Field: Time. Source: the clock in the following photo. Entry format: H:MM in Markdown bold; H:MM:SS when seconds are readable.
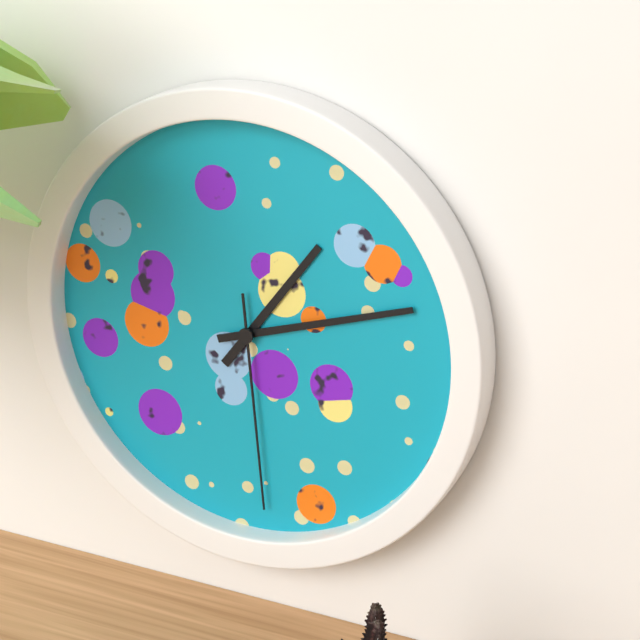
**1:12:29**
